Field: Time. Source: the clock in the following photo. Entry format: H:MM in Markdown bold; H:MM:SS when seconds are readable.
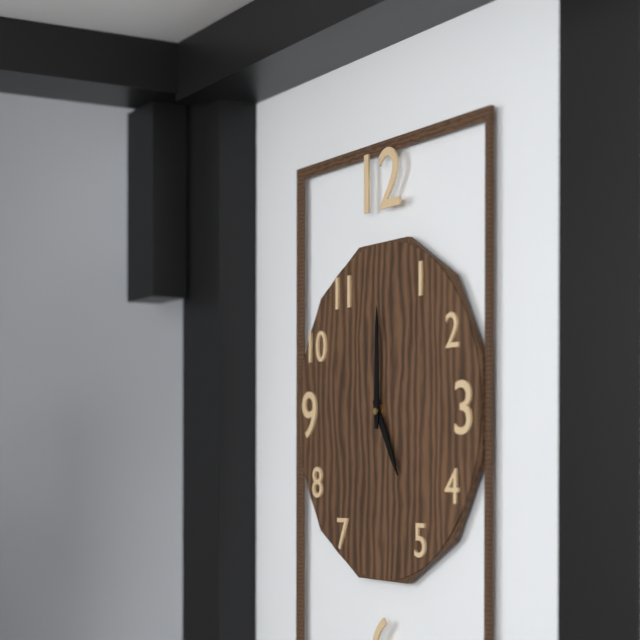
**5:00**
